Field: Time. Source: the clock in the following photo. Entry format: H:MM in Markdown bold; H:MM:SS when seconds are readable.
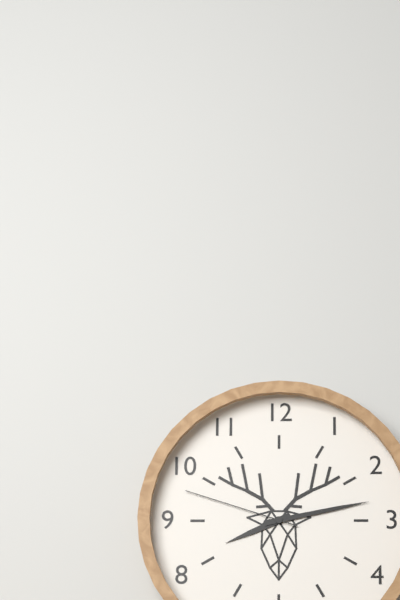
**8:13:48**
